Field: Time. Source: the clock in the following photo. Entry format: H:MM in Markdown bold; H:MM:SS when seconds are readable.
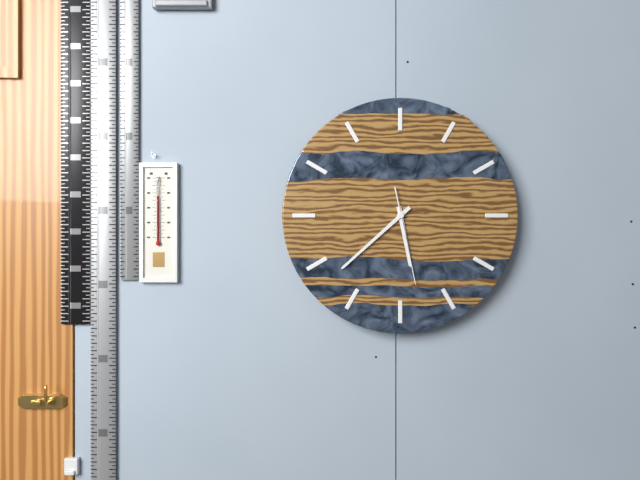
**5:38:28**
